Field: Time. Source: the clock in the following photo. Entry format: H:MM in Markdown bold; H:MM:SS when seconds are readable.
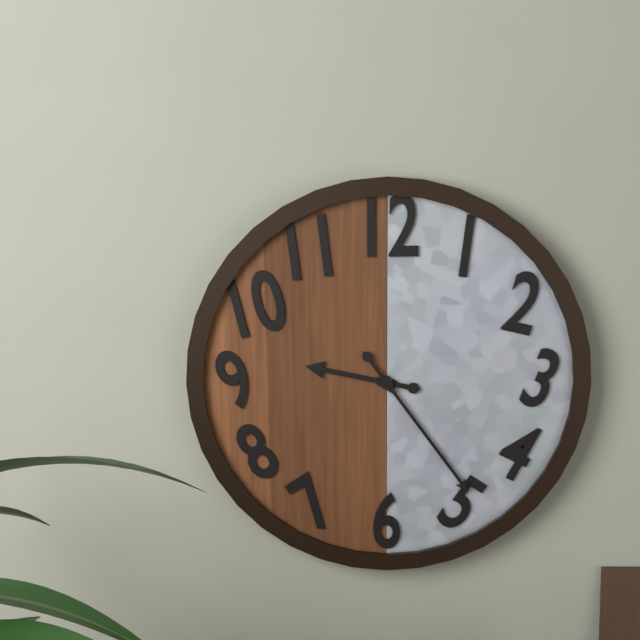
**9:24**
